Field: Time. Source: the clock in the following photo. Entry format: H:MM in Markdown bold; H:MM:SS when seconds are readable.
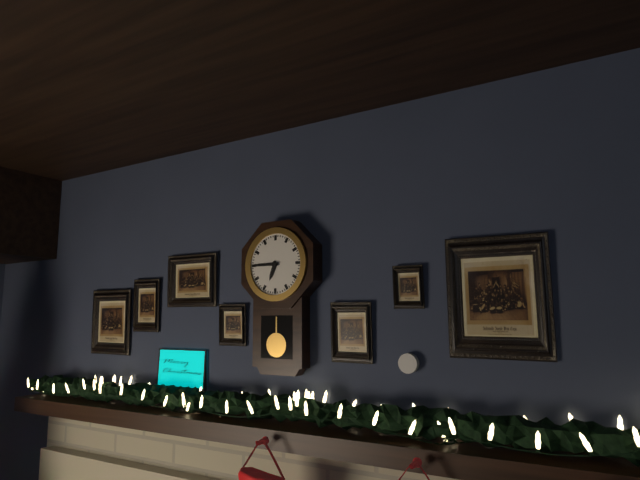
**6:45**
